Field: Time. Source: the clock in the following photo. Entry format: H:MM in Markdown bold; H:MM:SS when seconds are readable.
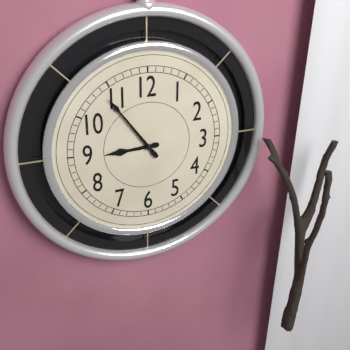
**8:54**
